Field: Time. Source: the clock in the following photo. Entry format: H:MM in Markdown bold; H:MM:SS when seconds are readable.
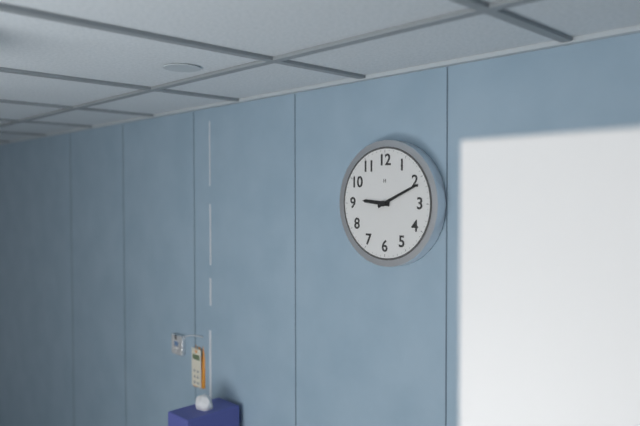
**9:11**
